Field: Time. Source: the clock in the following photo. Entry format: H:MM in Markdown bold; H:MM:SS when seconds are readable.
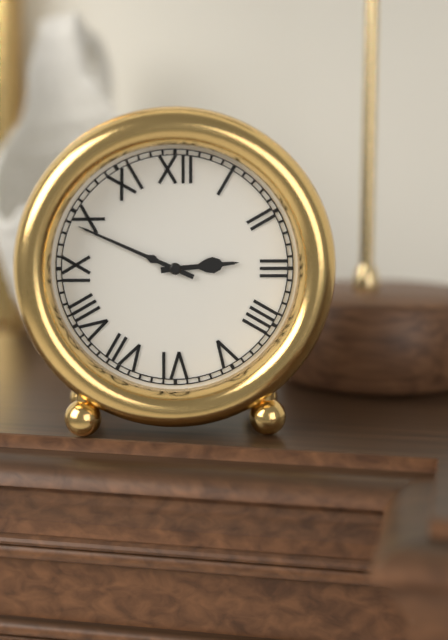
**2:49**
